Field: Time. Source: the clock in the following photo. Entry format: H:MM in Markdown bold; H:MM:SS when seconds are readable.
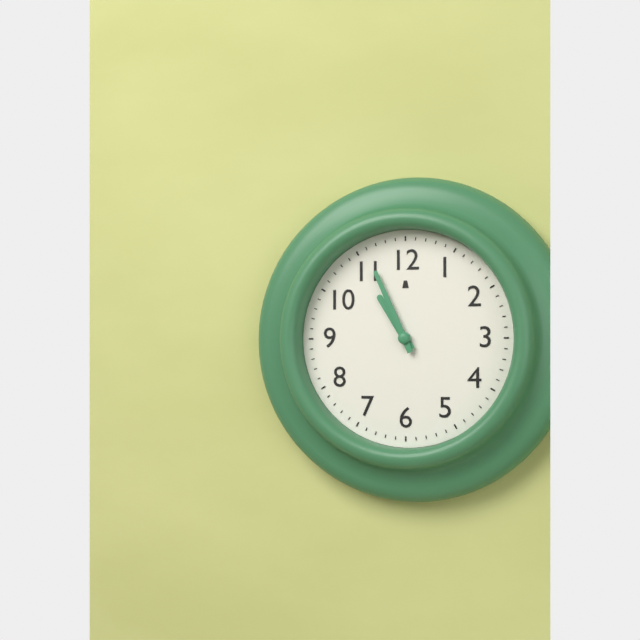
**10:56**
